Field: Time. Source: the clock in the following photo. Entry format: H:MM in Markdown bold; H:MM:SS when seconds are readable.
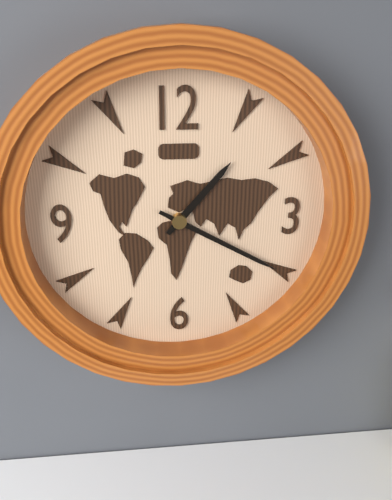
**1:20**
